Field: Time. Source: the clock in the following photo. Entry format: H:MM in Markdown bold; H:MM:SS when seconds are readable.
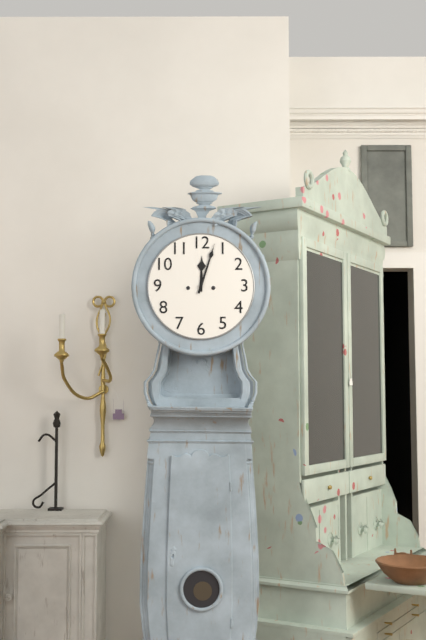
**12:03**
